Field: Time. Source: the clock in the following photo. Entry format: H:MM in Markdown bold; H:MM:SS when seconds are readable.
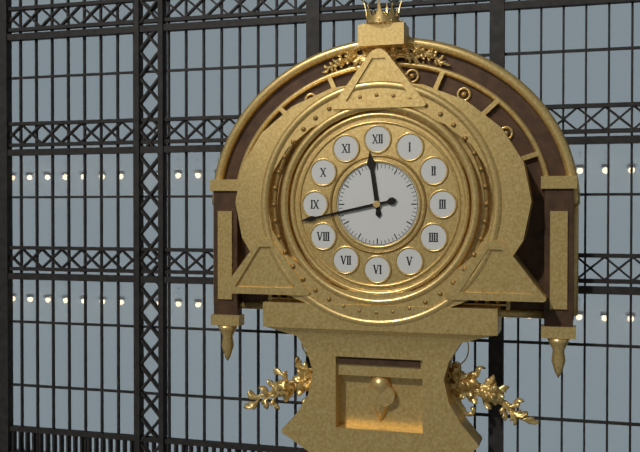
**11:43**
